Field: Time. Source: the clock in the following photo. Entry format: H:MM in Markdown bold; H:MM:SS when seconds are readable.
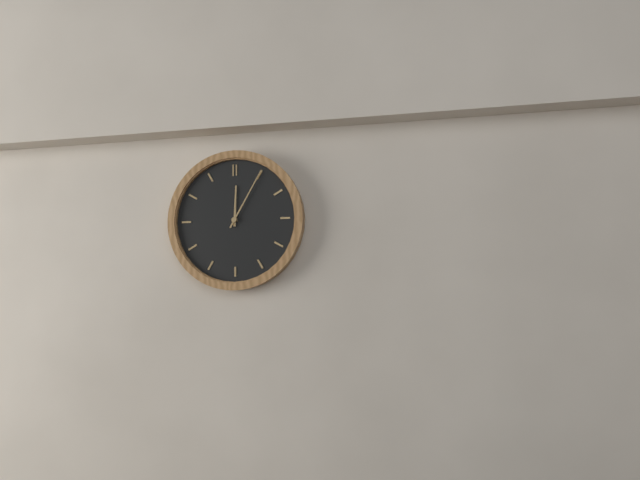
**12:05**
